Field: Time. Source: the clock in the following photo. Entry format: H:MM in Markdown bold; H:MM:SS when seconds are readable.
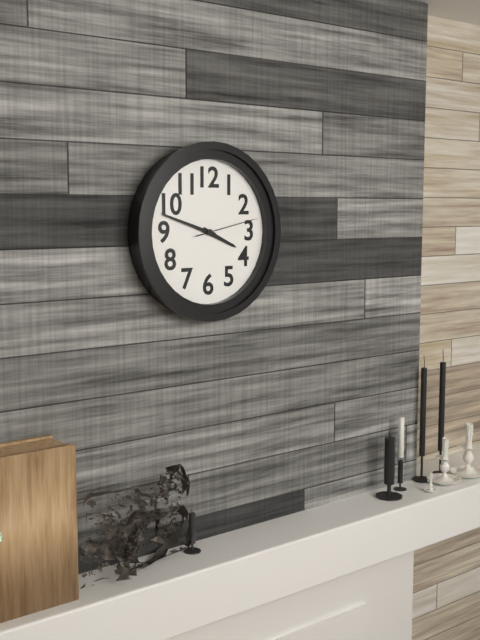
**3:48:13**
